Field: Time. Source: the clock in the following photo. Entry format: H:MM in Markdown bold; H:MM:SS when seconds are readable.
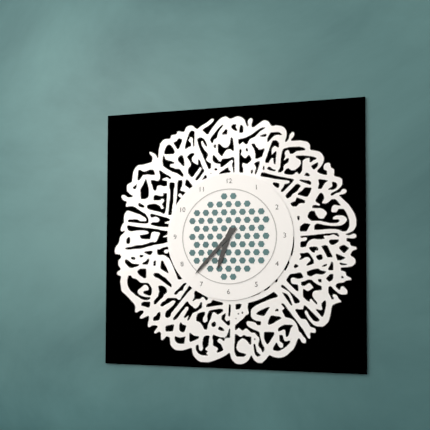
**6:37**
